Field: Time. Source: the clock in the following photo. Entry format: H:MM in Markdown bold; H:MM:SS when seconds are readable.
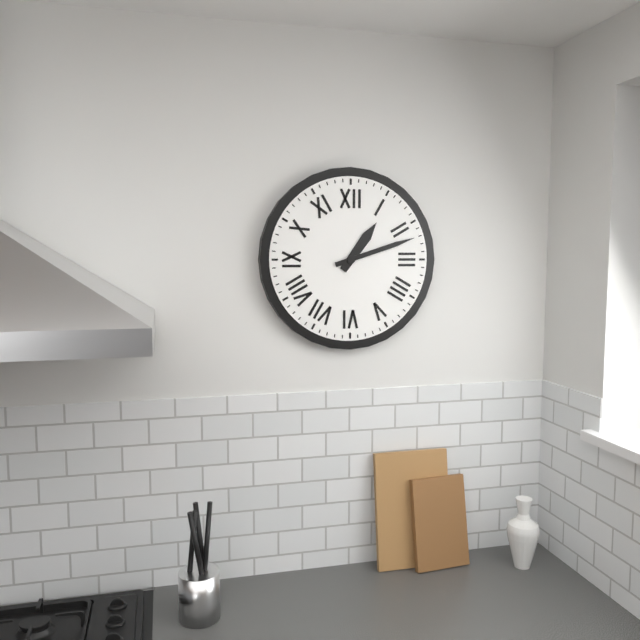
**1:12**
